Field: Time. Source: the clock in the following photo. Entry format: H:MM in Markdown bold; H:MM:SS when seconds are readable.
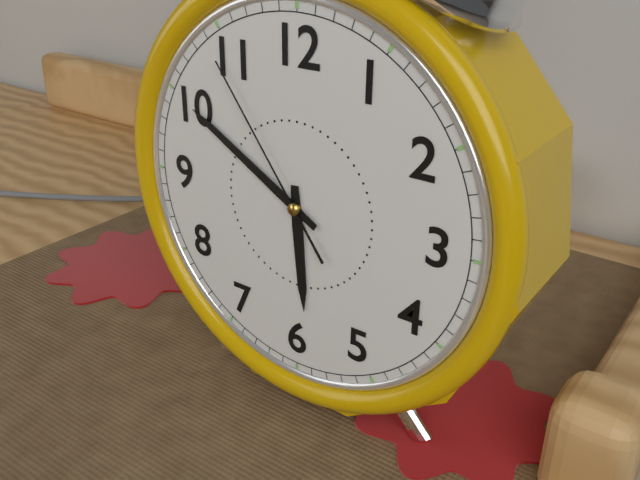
**5:50:54**
